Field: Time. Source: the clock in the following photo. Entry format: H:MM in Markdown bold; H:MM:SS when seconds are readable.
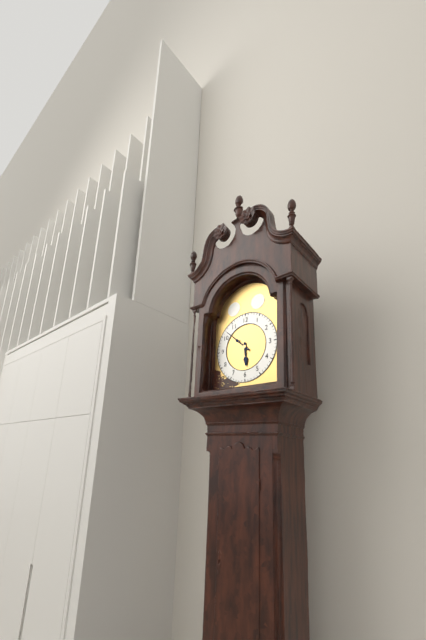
**5:52**
